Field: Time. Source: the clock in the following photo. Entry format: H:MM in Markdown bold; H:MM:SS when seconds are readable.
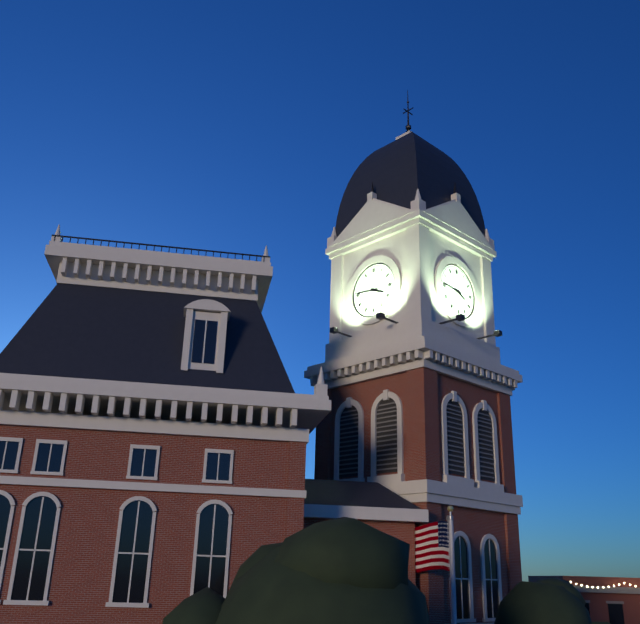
**3:46**
